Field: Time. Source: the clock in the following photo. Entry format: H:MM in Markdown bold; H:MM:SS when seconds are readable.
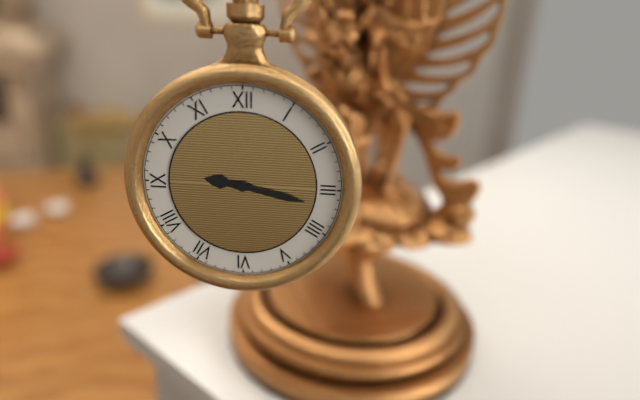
**9:17**
